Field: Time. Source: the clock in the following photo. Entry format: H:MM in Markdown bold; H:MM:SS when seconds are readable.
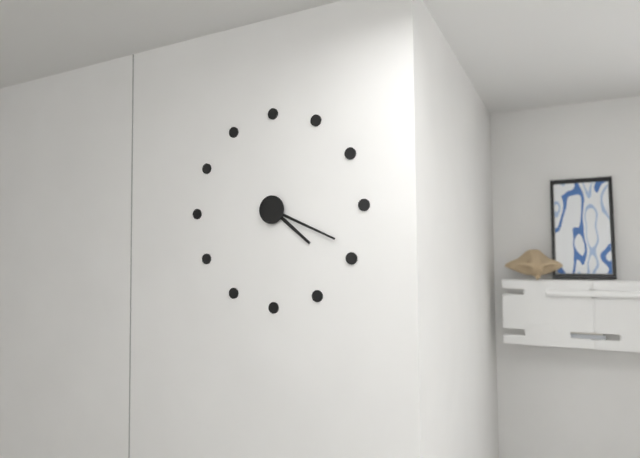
**4:19**
